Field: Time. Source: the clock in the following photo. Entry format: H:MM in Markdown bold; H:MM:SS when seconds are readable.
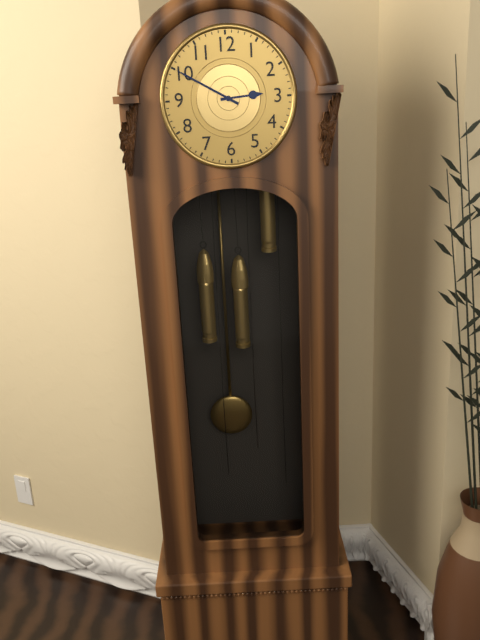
**2:50**
